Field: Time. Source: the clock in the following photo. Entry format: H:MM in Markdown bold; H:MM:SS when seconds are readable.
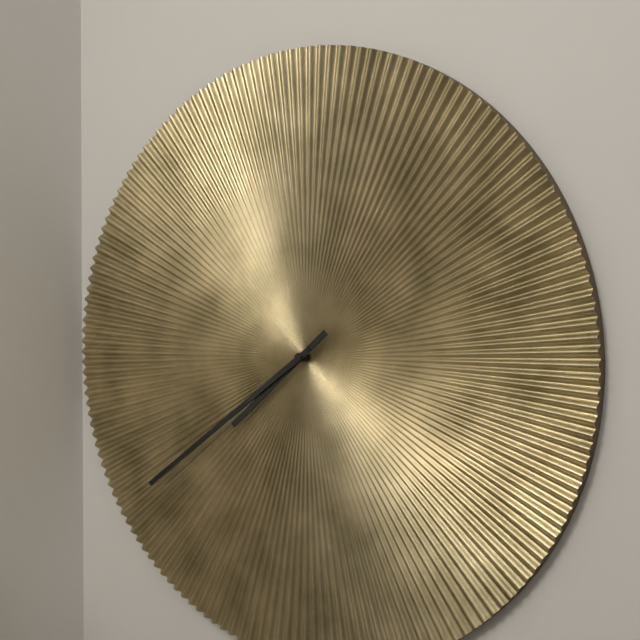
**7:39**
